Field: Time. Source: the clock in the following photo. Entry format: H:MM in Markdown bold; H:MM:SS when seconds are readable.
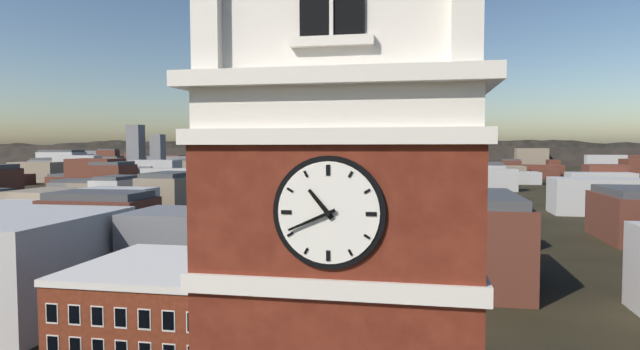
**10:41**
